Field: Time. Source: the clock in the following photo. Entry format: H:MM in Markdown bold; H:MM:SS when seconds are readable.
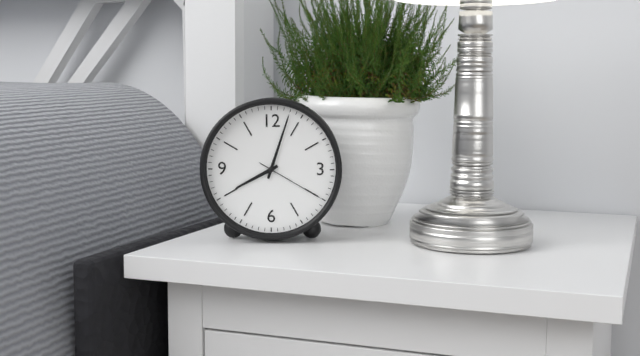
**8:03:20**
